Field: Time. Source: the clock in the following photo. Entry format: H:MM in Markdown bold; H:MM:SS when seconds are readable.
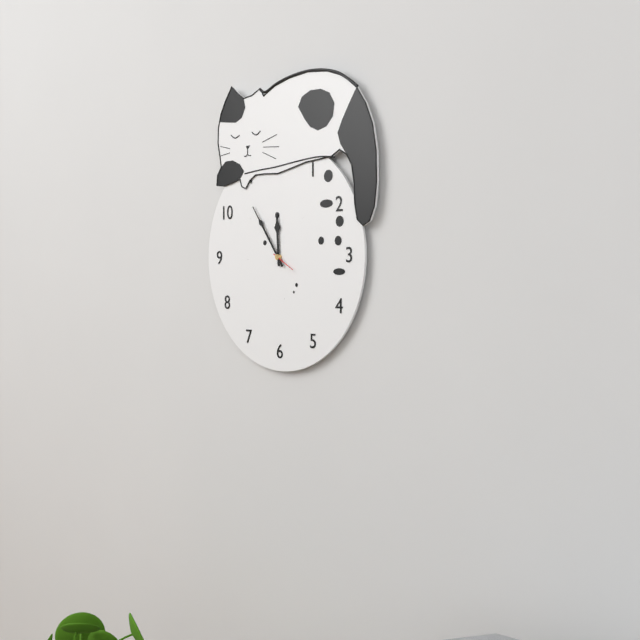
**11:54**
